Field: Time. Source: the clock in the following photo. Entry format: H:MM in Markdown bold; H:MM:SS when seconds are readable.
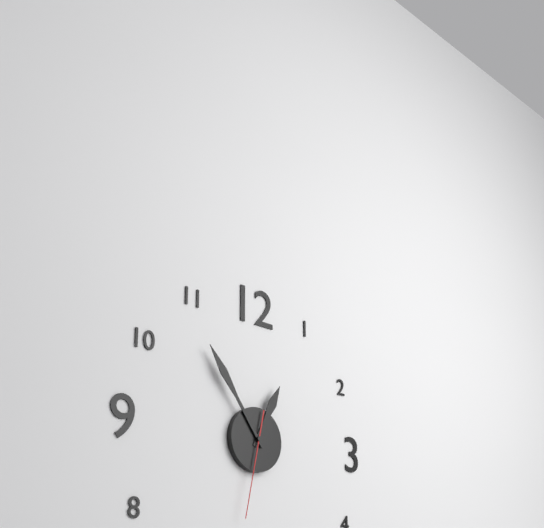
**12:54:32**
